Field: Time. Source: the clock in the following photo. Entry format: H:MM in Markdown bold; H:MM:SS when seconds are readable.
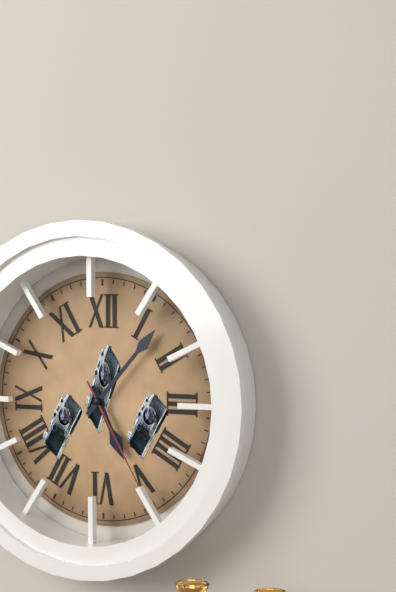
**5:07:25**
